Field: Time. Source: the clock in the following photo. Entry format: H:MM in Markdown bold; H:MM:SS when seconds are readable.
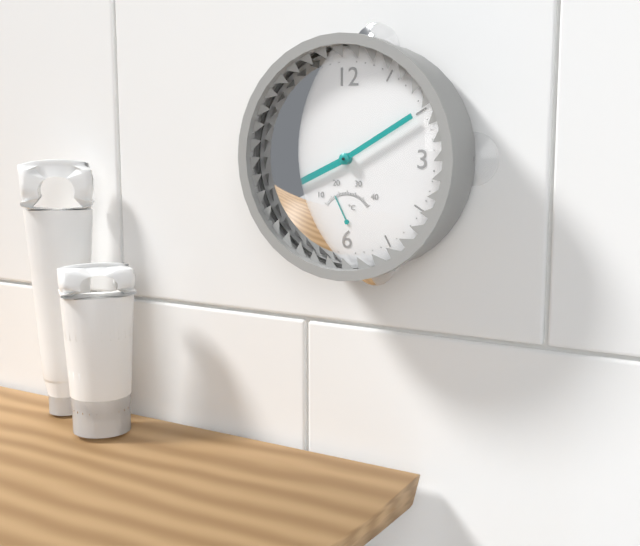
**8:10**
